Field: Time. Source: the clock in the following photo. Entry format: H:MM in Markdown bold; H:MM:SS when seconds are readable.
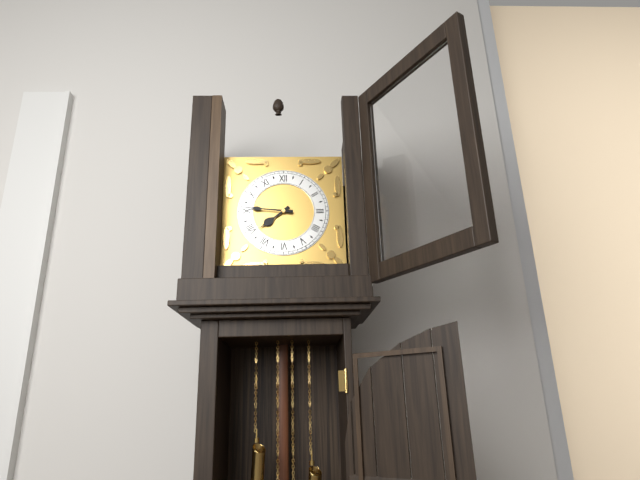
**7:46**
